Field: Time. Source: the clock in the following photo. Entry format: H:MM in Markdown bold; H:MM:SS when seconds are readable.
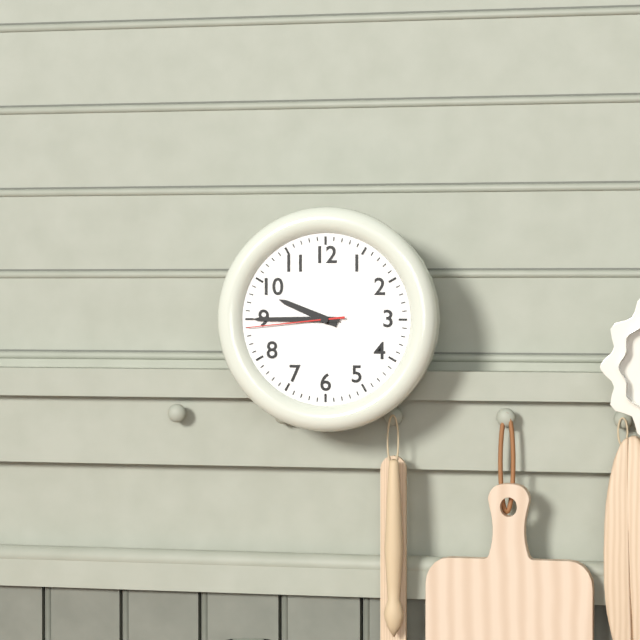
**9:45:44**
